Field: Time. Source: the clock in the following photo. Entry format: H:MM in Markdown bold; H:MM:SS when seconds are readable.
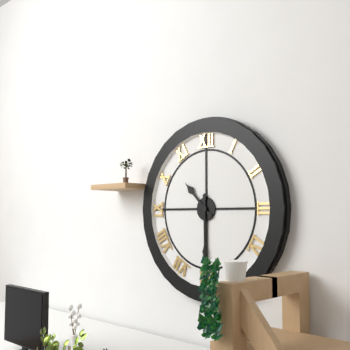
**10:30**
